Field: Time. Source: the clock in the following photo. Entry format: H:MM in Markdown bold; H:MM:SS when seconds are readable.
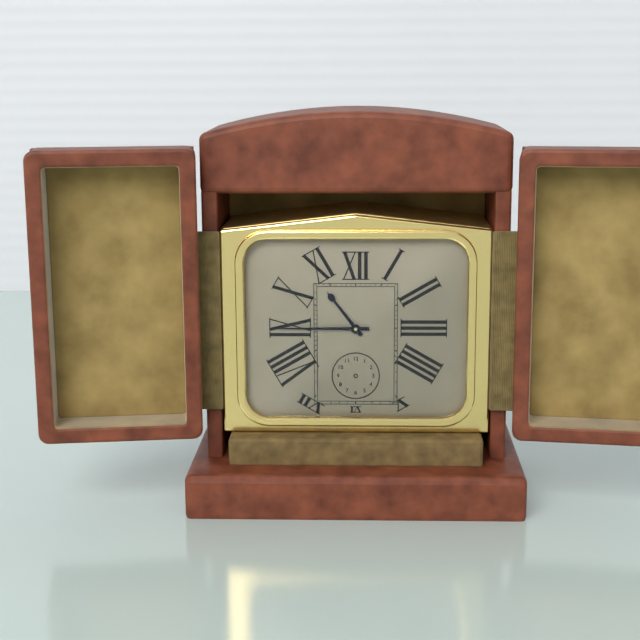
**10:45**
